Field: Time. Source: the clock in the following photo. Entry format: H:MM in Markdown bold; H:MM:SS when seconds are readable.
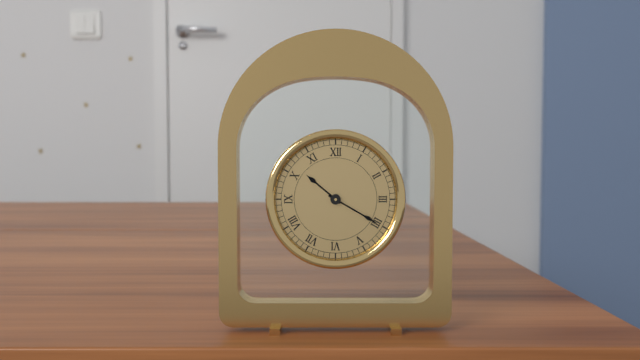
**10:20**
